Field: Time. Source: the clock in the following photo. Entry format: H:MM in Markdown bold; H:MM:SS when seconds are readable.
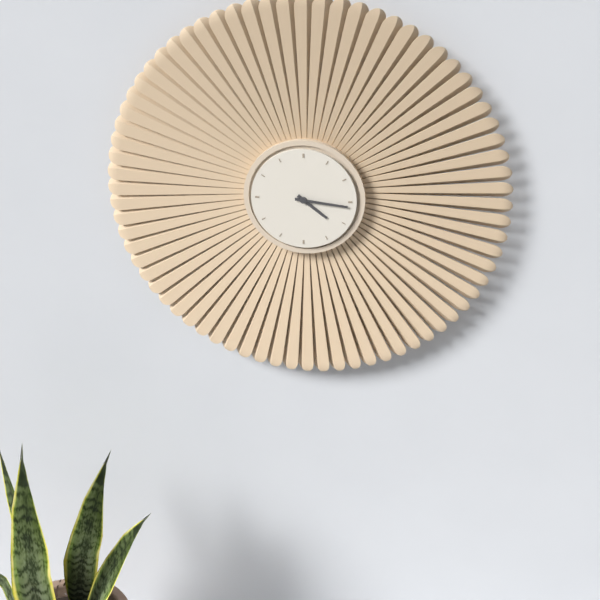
**4:16**
